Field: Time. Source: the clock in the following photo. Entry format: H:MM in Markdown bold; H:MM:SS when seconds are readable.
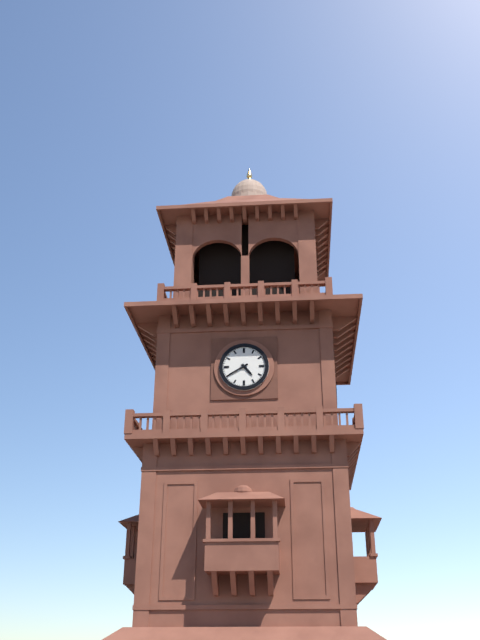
**4:40**
